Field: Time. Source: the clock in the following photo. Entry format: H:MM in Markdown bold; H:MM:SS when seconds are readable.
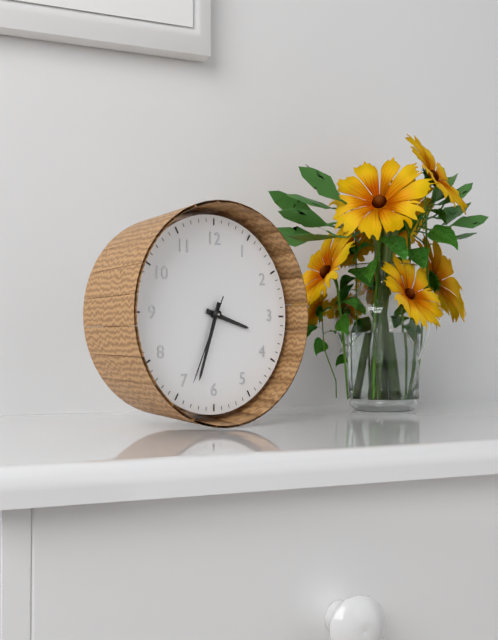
**3:33:34**
